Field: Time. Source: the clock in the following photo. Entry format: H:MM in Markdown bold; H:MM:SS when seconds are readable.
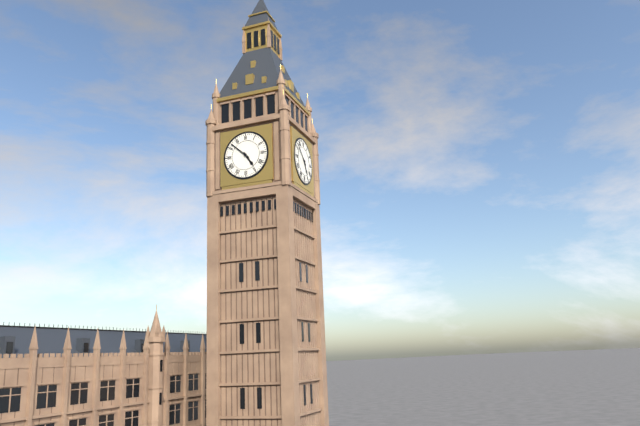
**4:52**
